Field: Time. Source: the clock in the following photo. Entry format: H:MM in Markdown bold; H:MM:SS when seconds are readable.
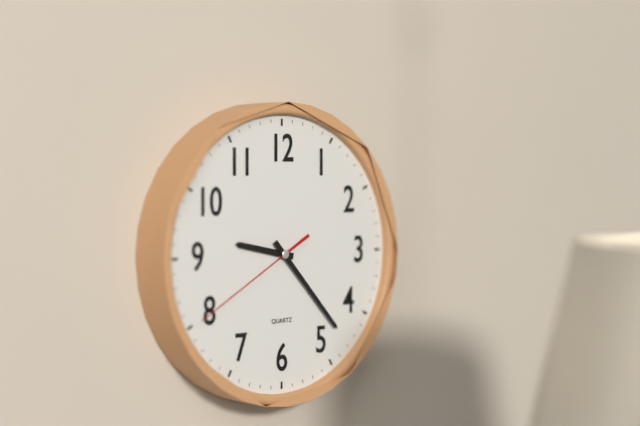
**9:23:40**
